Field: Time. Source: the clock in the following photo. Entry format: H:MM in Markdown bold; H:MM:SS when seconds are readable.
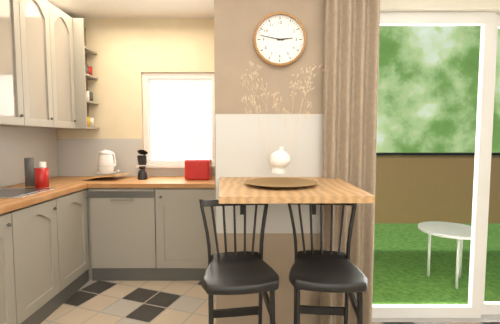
**2:47**
